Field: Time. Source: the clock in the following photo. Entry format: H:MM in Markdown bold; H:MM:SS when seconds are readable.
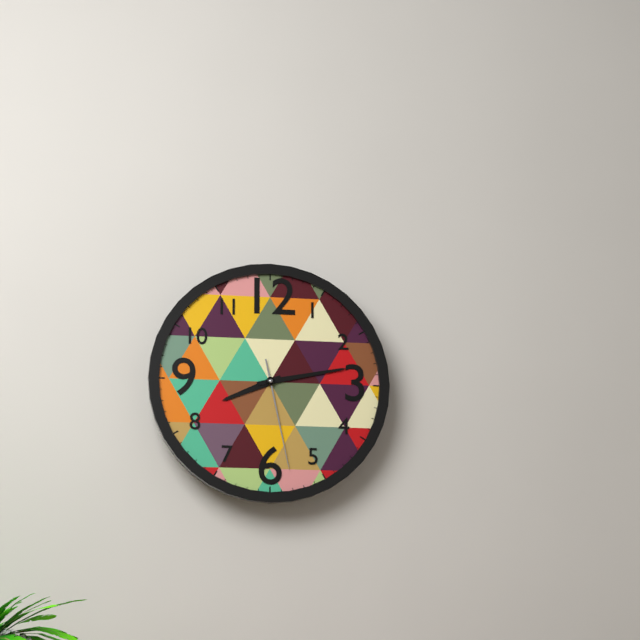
**8:13:28**
